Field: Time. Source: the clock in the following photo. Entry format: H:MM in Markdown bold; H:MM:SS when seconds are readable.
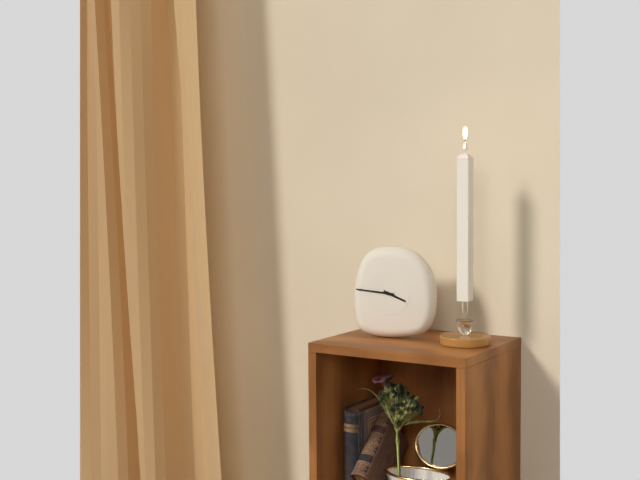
**3:46**
